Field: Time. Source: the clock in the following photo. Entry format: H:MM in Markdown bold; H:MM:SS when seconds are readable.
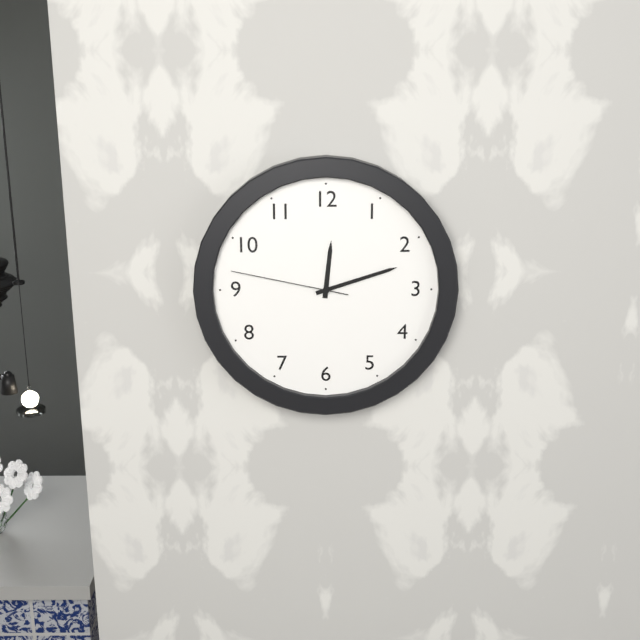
**12:12:47**
